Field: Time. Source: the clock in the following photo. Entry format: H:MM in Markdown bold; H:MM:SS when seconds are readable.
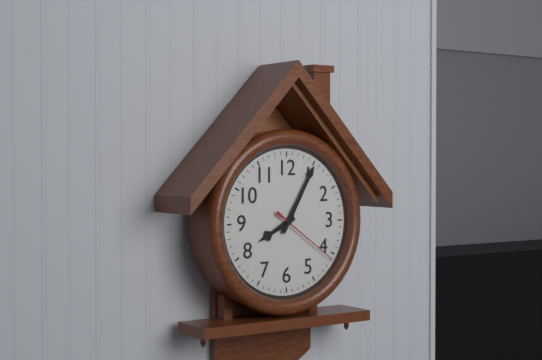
**8:05:21**
